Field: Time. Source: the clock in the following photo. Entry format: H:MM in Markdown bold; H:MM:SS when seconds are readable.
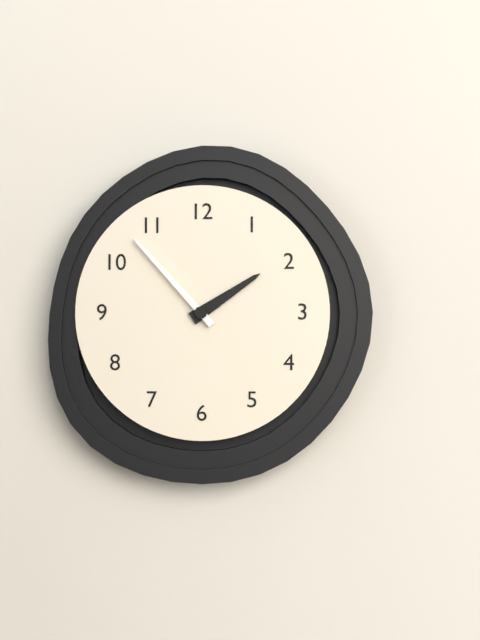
**1:53**
